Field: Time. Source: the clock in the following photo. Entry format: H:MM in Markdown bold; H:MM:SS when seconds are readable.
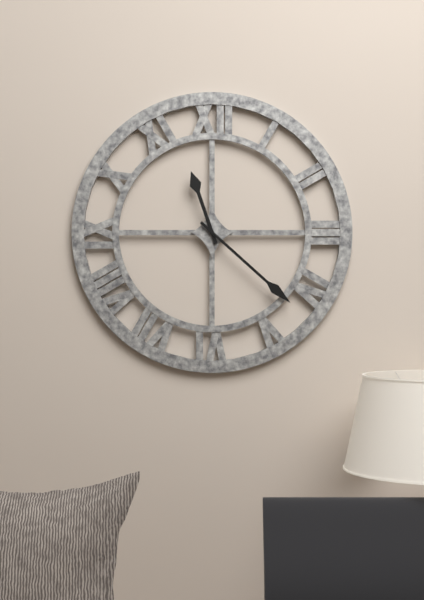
**11:22**
